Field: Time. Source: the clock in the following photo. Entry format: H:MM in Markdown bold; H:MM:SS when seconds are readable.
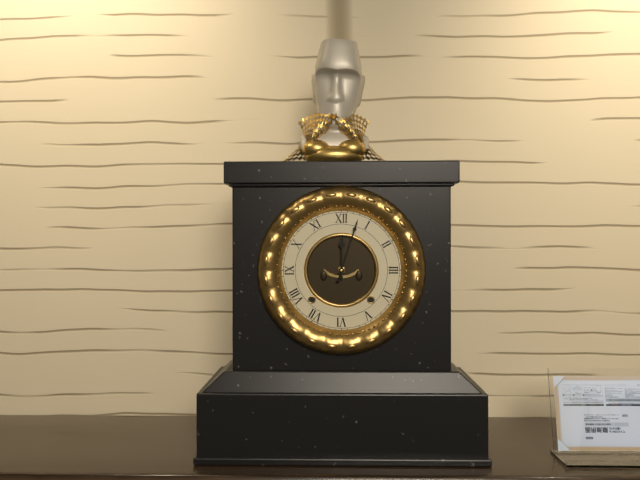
**12:03**
